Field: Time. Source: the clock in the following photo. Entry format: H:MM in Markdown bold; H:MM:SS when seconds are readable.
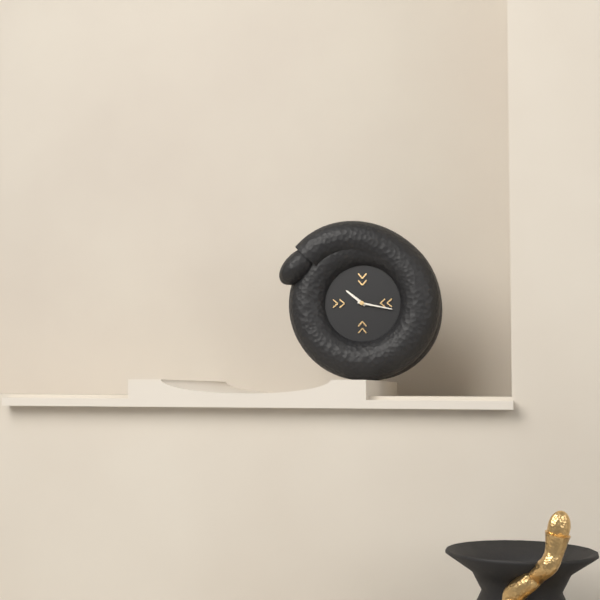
**10:17**
